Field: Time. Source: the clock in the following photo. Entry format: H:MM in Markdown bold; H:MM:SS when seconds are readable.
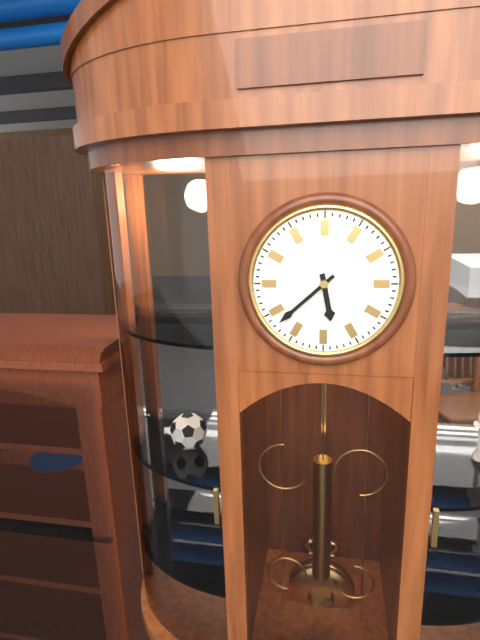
**5:38**
